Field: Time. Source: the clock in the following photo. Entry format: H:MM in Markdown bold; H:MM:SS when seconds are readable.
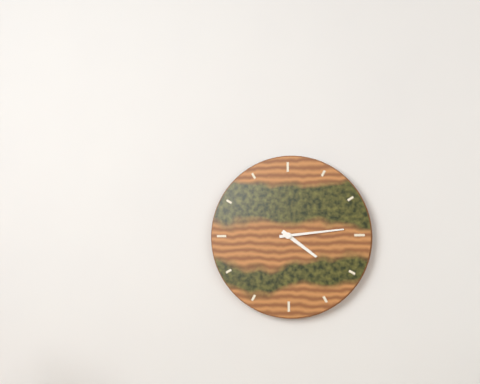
**4:14**
